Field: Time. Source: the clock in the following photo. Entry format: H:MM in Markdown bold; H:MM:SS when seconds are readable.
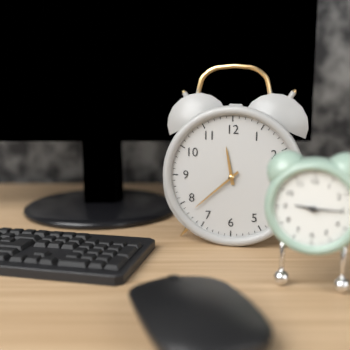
**11:38**
